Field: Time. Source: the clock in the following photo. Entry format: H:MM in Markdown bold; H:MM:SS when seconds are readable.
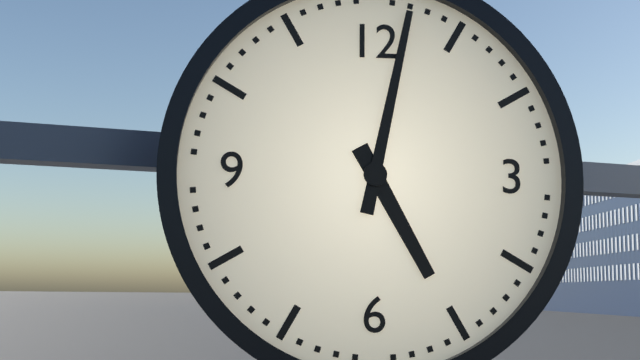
**5:02**
